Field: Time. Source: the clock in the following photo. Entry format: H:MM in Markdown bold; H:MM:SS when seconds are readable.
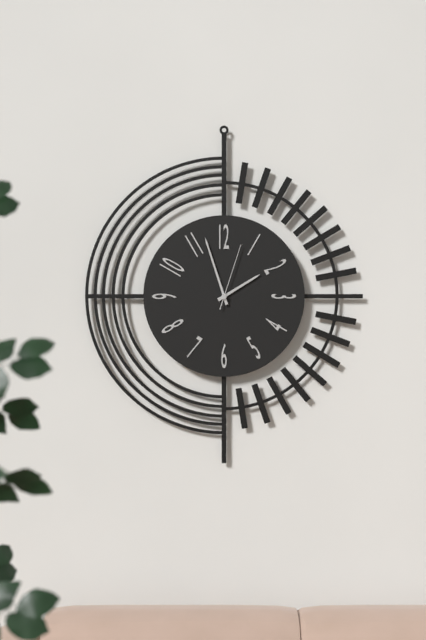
**1:57:03**
